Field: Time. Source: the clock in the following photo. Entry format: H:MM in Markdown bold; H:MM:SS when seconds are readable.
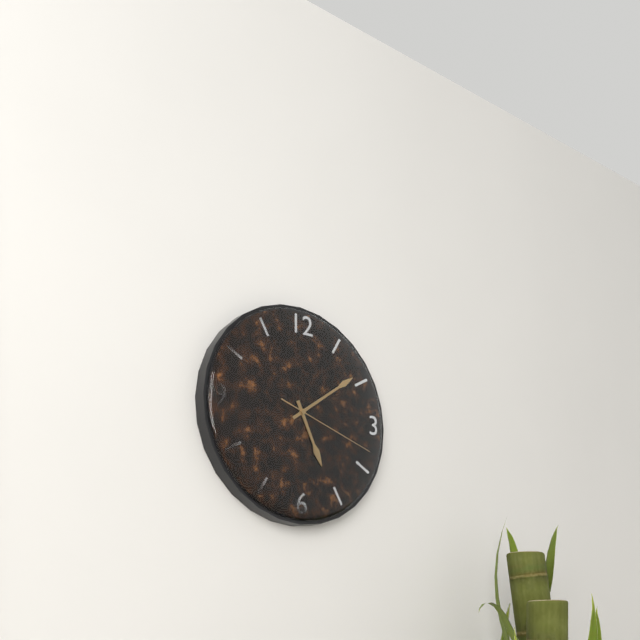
**5:09:18**
